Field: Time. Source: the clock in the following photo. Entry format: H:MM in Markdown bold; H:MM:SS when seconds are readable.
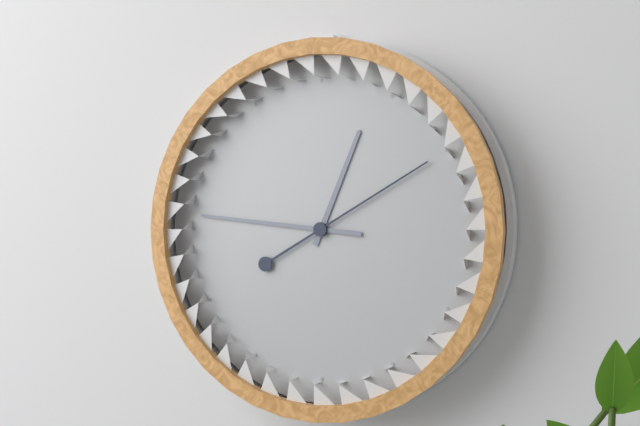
**12:46:10**
